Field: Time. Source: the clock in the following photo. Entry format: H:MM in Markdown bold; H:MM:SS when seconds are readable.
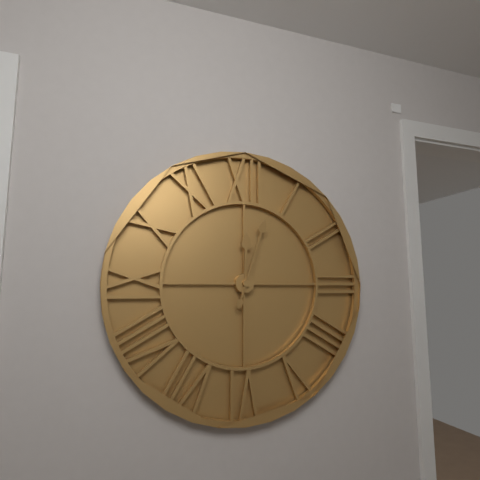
**12:03**
